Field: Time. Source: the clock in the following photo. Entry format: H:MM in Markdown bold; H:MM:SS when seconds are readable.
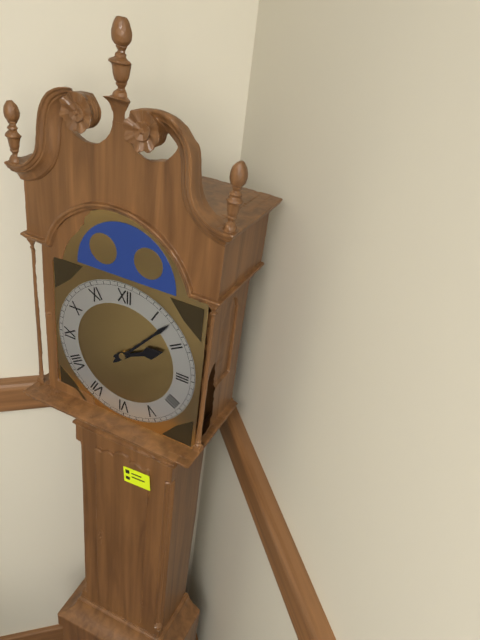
**2:07**
